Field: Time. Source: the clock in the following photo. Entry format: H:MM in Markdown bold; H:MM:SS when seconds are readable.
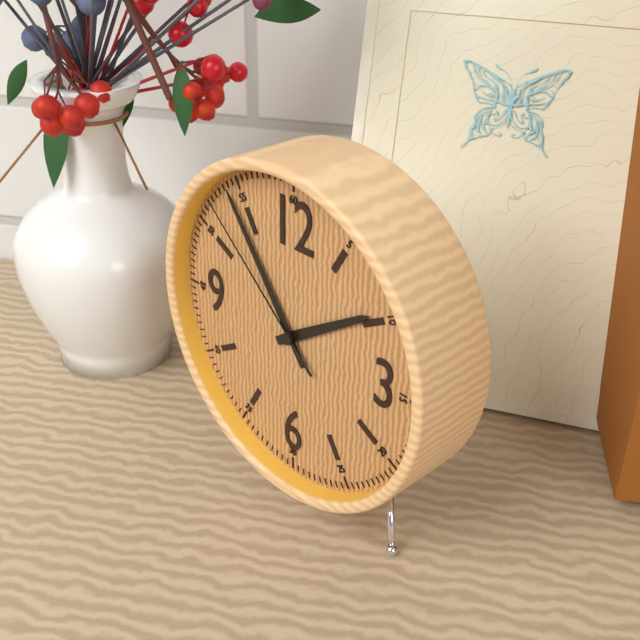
**1:54:52**
